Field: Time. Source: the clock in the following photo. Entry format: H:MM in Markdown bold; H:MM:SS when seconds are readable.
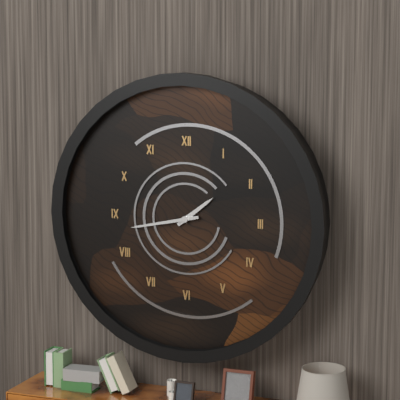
**1:43**
